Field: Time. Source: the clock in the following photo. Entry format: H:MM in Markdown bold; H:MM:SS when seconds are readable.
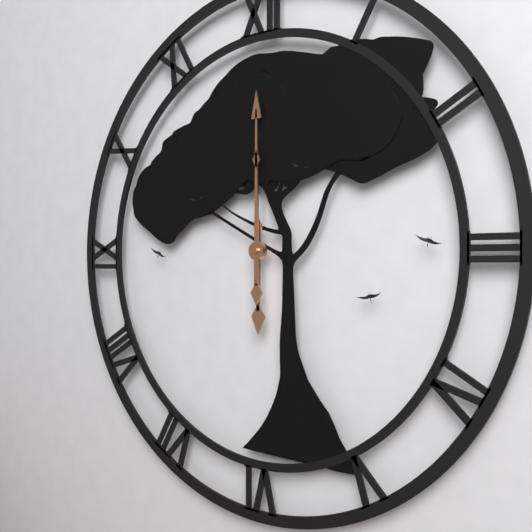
**6:00**
